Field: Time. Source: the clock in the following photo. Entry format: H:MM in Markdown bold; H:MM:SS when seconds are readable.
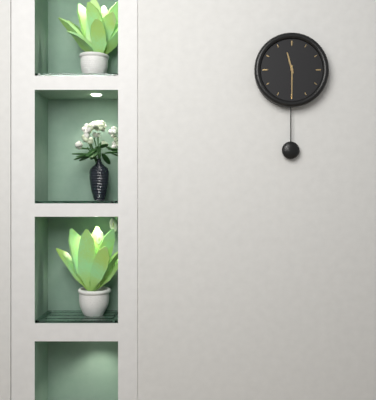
**11:30**
